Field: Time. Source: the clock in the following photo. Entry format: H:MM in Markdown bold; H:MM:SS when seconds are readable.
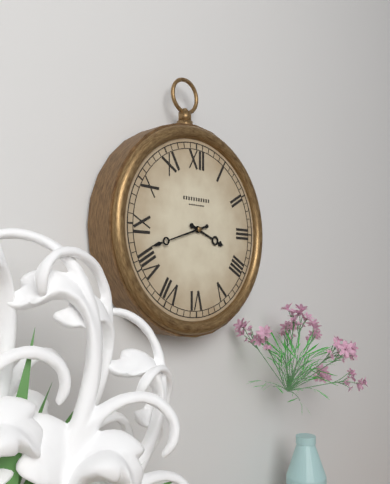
**3:42**
